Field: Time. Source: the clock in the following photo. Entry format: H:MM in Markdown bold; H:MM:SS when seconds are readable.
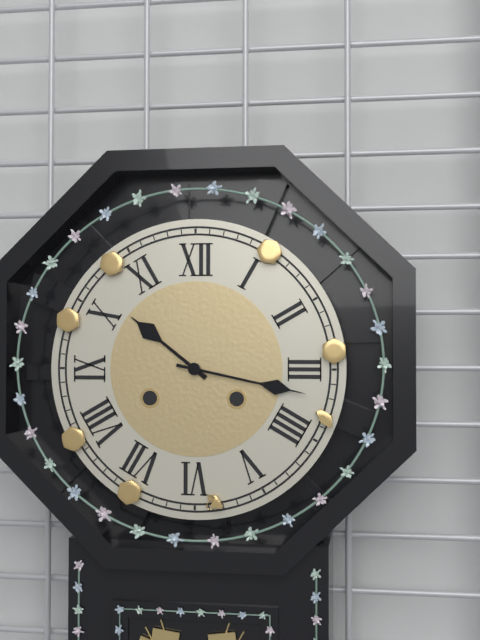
**10:17**
